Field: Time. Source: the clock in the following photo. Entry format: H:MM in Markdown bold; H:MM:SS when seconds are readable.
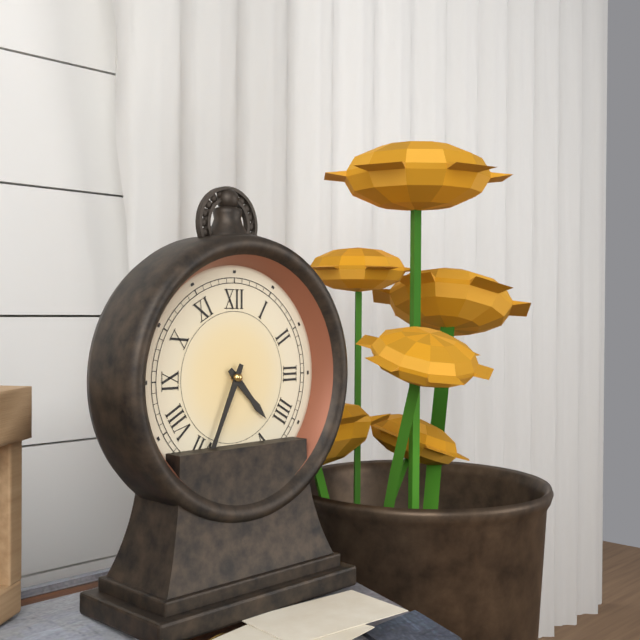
**4:34**
